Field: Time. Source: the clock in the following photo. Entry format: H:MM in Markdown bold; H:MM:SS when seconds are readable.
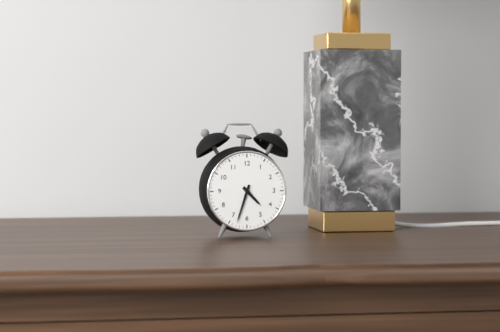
**4:33**
